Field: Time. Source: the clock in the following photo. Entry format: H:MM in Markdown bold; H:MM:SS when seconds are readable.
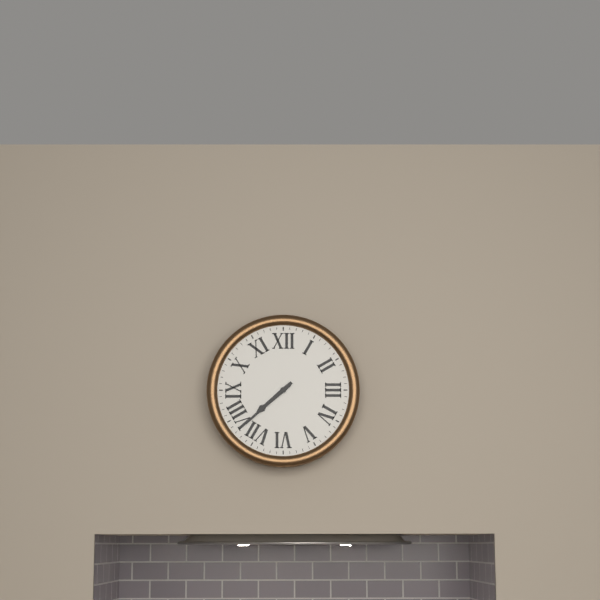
**7:38**
